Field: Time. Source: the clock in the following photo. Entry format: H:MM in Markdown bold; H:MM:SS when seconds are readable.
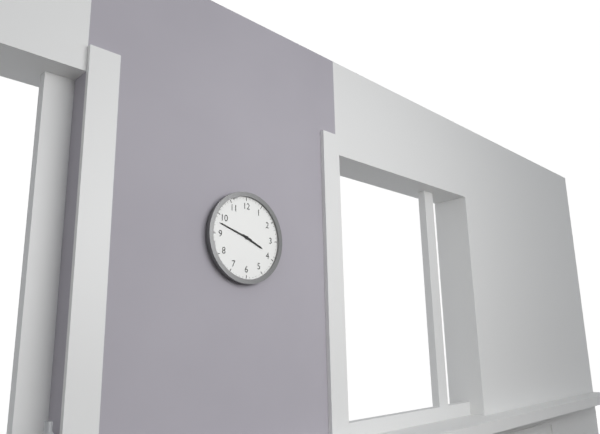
**3:48**
